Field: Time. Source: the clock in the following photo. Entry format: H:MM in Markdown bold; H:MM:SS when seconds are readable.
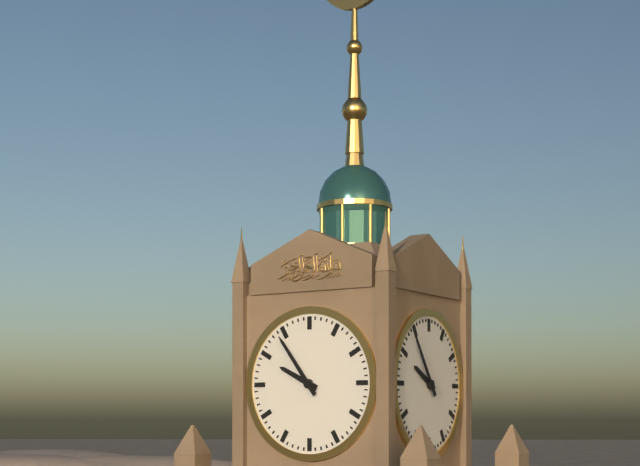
**9:54**
